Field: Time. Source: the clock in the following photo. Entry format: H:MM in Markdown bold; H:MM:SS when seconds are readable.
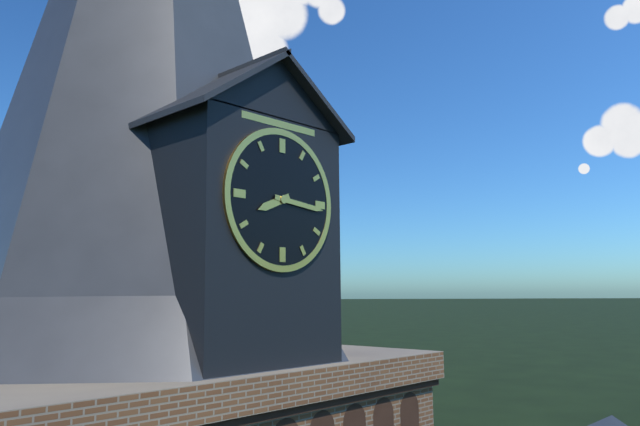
**8:16**
